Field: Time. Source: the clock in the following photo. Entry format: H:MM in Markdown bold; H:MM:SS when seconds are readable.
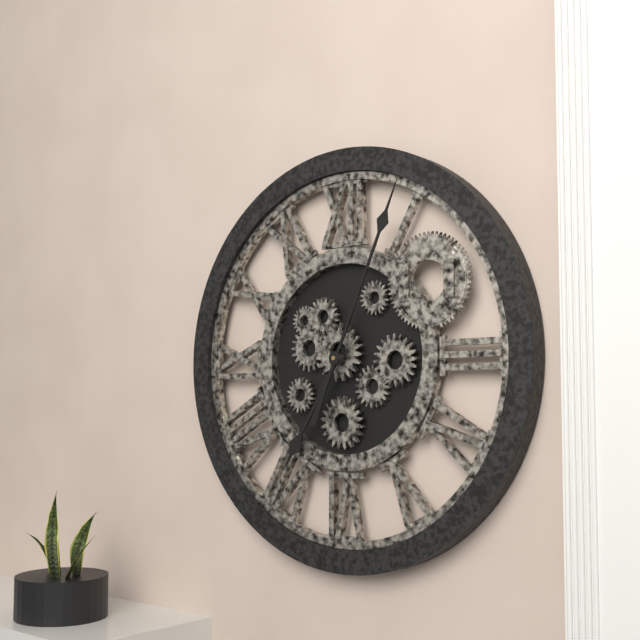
**7:04**
